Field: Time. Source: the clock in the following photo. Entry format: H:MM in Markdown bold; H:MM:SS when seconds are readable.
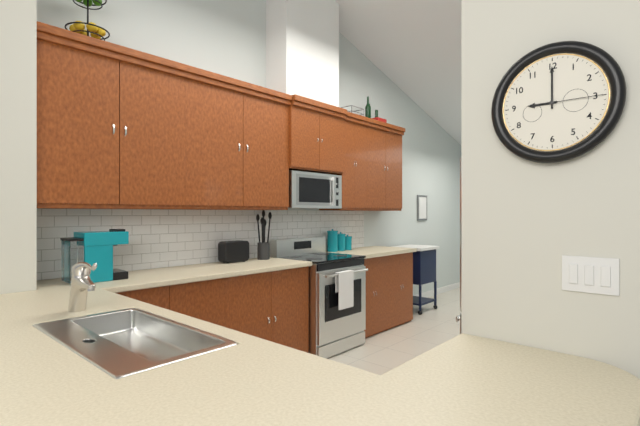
**9:00:15**
